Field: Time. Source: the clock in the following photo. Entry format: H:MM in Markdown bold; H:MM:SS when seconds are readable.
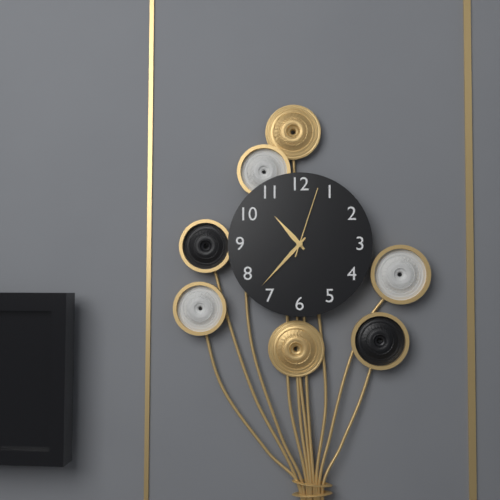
**10:37:03**
